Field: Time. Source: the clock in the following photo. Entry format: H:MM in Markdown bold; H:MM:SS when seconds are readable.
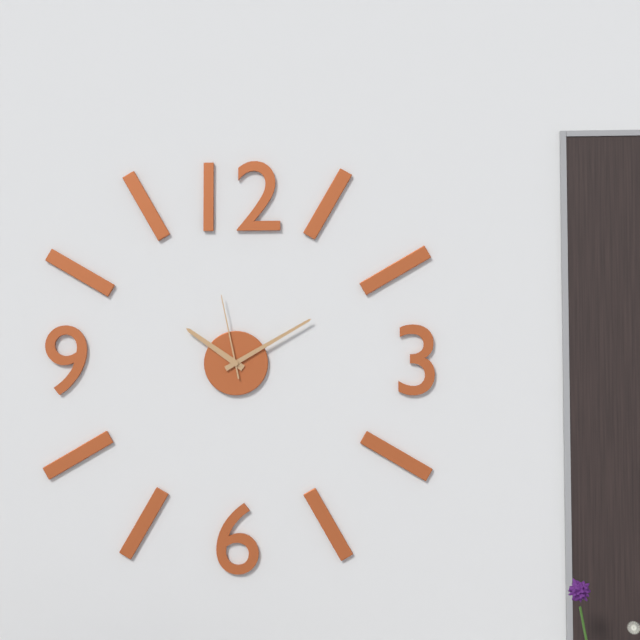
**10:10:58**
